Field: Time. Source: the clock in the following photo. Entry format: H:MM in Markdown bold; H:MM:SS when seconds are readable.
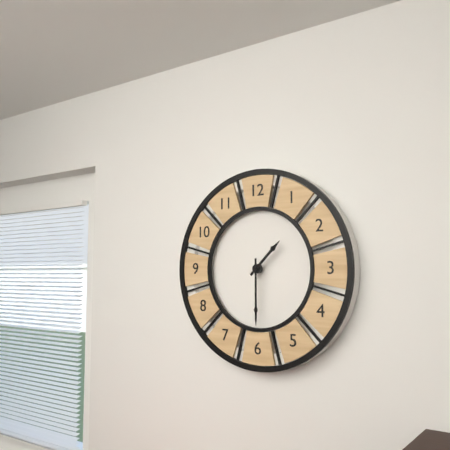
**1:30**
